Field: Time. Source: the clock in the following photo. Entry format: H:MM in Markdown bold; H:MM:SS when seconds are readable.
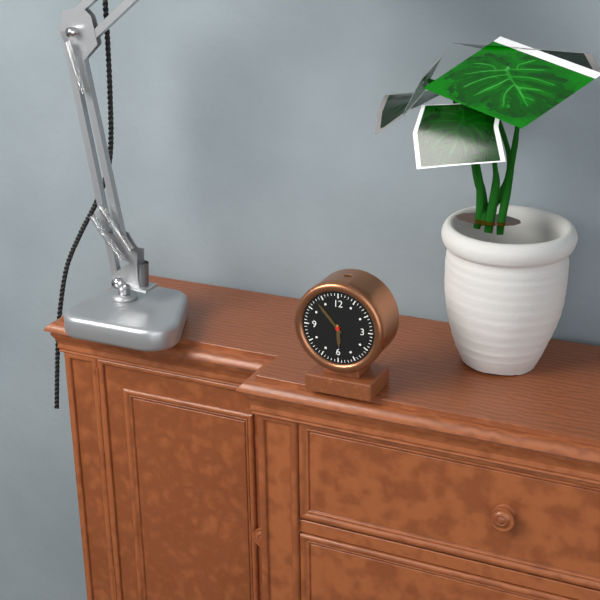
**5:53**
